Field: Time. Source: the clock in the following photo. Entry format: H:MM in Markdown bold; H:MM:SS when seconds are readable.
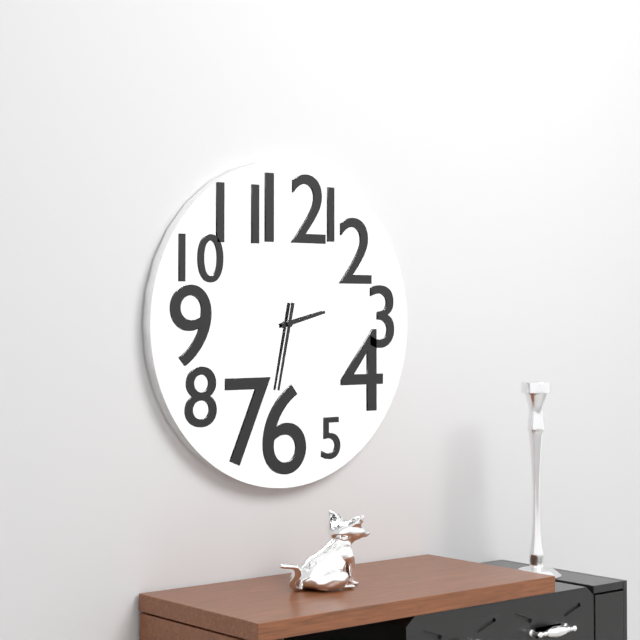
**2:32**
